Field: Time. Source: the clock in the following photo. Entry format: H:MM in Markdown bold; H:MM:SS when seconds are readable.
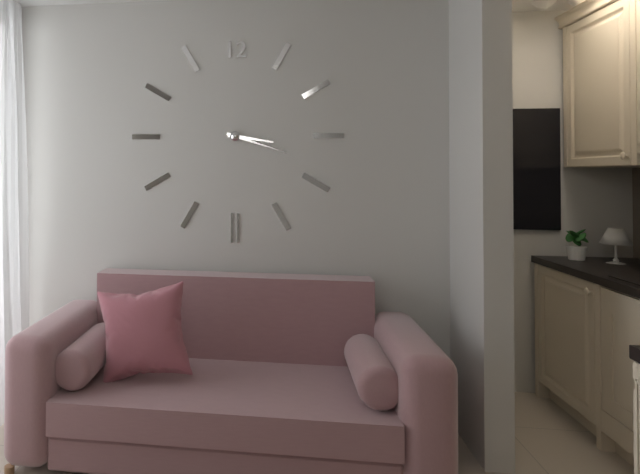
**3:18**
